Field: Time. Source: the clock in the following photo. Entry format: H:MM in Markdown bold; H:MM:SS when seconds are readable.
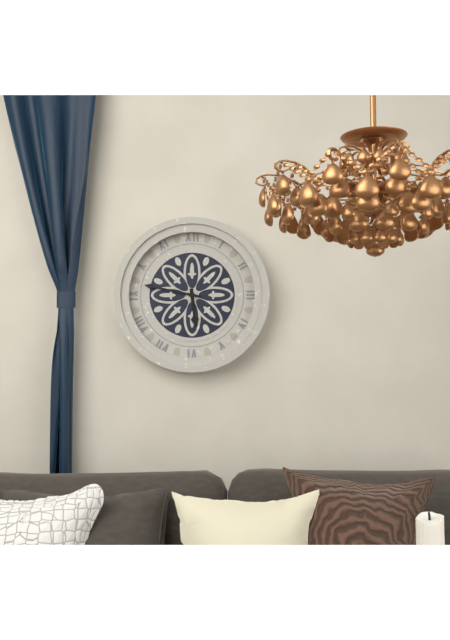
**5:47**
